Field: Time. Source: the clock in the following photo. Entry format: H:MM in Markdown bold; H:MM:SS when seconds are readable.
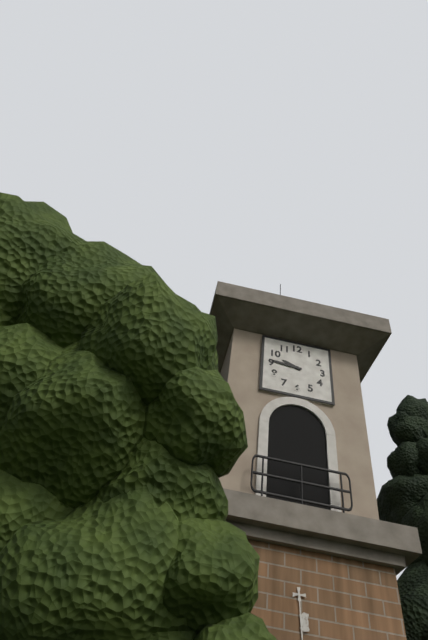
**9:46**
